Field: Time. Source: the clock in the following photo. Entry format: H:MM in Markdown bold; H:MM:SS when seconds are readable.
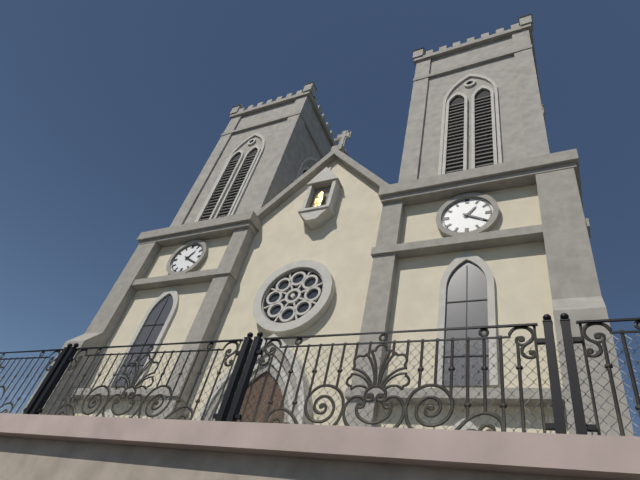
**1:20**
